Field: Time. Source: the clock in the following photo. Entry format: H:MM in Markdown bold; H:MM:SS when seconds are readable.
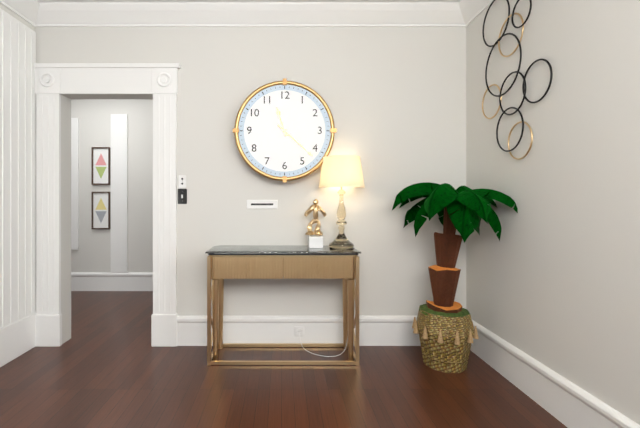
**11:22**
